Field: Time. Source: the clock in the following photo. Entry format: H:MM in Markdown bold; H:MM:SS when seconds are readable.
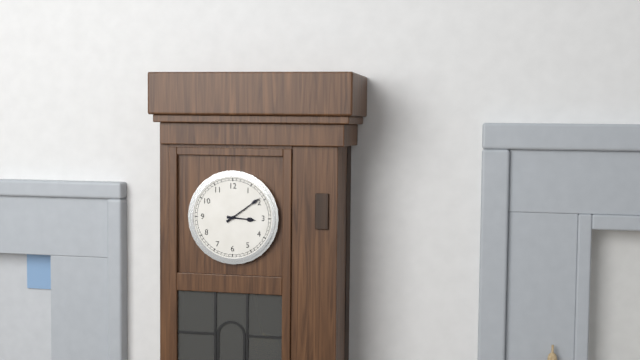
**3:09**
